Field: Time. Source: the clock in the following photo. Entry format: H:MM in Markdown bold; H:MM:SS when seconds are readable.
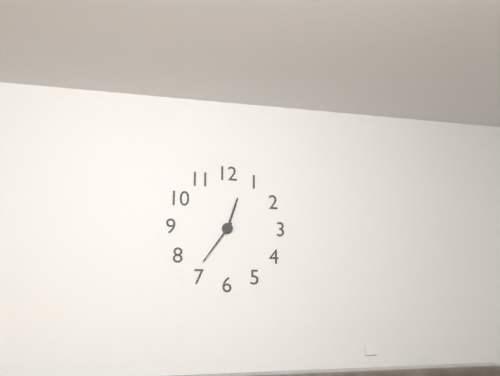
**12:36**
